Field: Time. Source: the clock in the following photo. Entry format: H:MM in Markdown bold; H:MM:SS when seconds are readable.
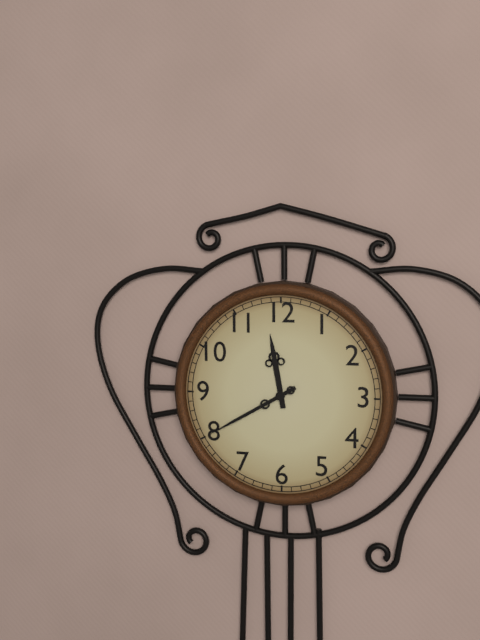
**11:40**
